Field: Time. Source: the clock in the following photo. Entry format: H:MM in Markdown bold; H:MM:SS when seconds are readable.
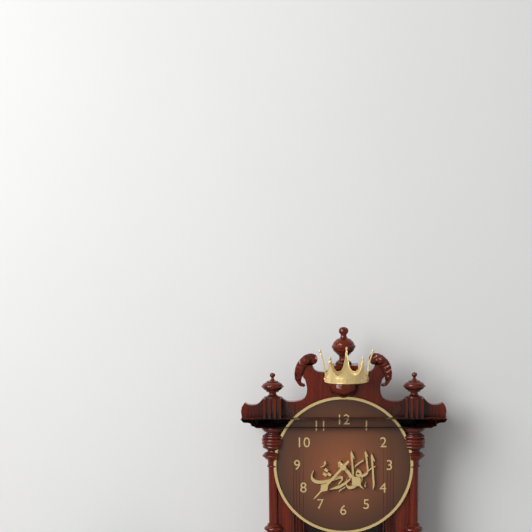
**4:37**
